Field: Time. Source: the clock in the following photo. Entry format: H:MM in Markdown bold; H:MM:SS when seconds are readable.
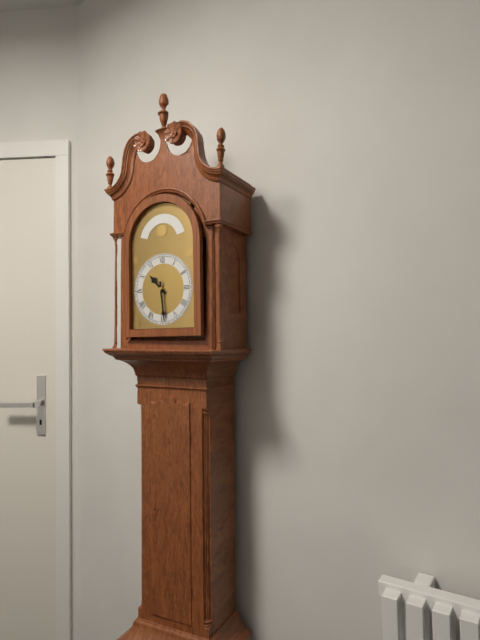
**10:29**
